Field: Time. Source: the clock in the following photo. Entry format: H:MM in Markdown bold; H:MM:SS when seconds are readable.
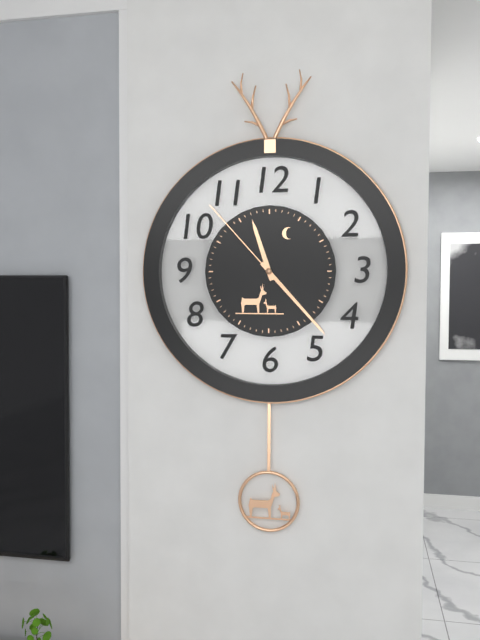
**11:23:53**
